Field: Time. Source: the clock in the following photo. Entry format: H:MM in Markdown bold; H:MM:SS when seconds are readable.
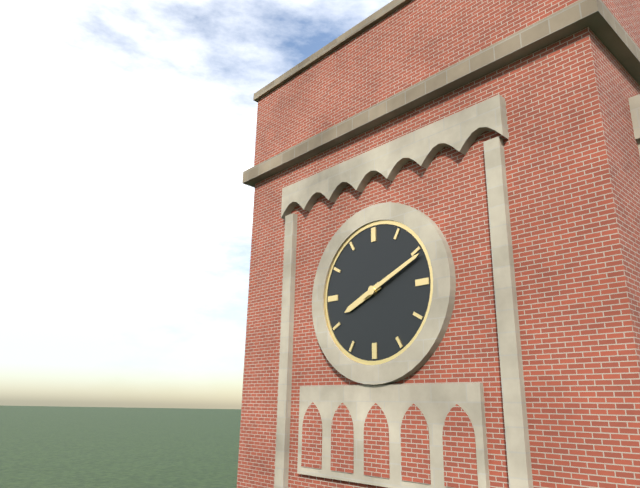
**8:11**
